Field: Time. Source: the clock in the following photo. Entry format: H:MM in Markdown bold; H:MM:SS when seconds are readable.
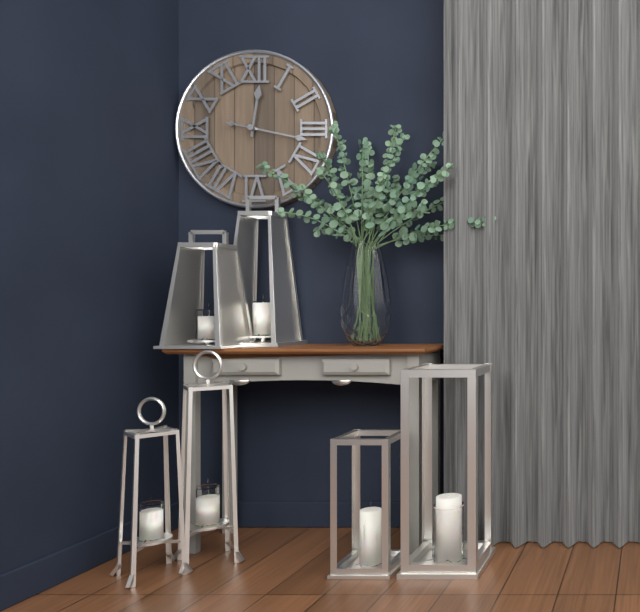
**12:17**
